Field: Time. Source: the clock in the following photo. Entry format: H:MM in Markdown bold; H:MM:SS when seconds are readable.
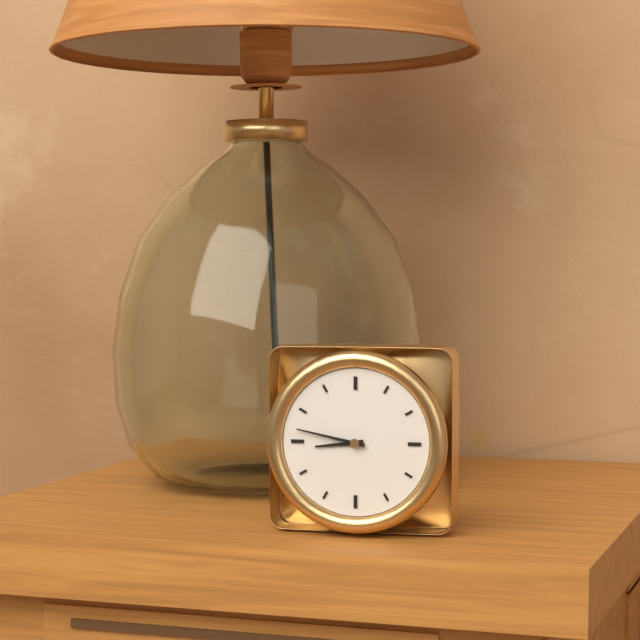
**8:47**
